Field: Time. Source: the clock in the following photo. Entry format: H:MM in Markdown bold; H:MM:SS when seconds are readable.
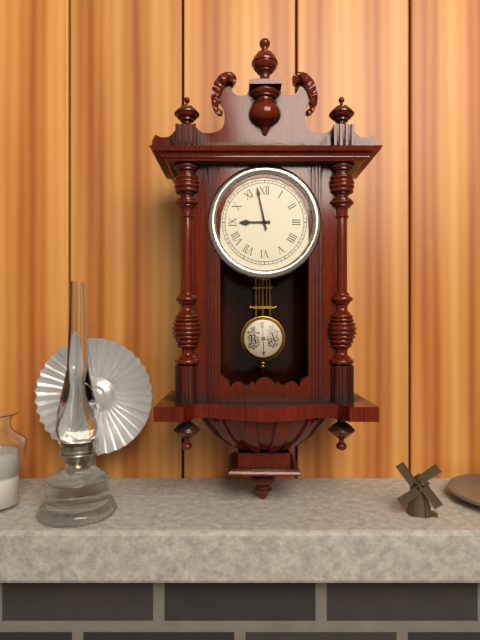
**8:58**
